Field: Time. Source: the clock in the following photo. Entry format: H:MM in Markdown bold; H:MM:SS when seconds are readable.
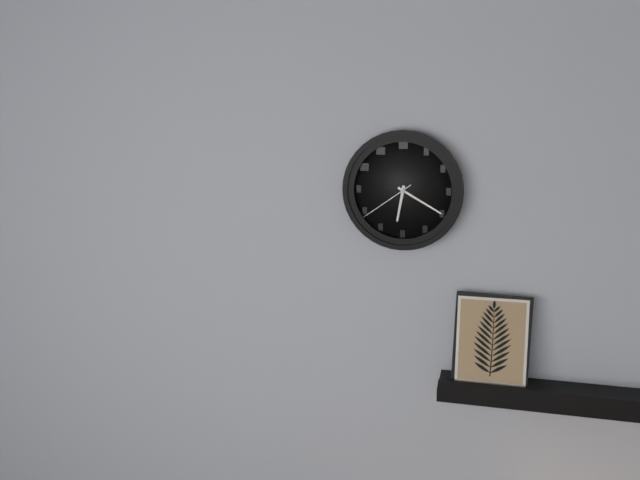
**6:20:39**
